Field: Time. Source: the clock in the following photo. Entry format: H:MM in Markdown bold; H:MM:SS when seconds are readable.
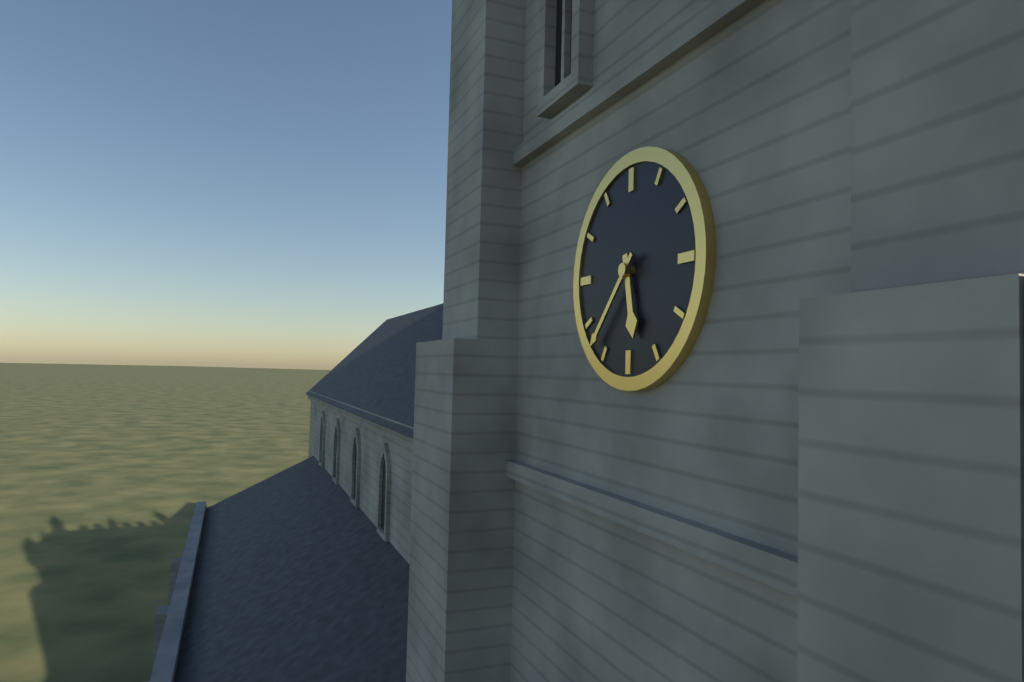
**5:37**
